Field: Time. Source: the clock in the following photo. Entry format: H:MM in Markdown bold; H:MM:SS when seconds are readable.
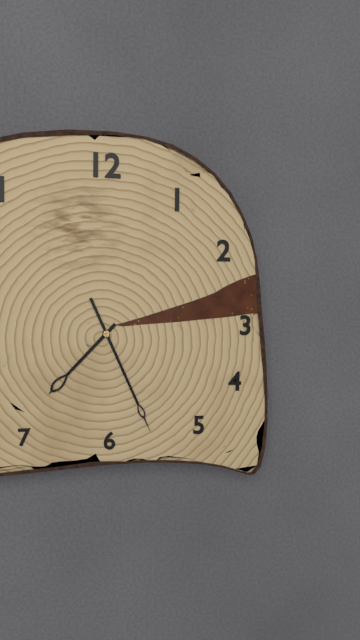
**7:26**
